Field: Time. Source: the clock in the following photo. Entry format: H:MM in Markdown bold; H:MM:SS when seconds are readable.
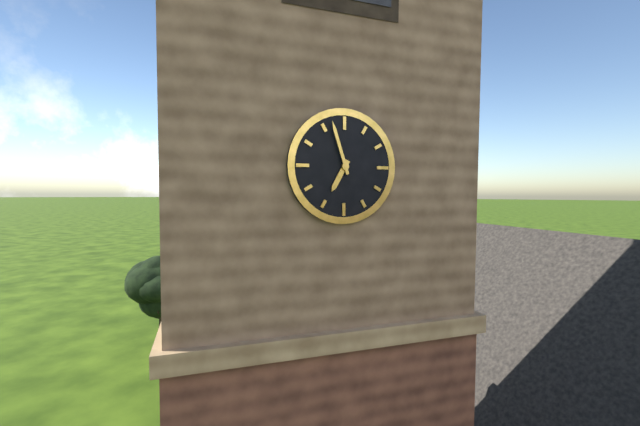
**6:57**
